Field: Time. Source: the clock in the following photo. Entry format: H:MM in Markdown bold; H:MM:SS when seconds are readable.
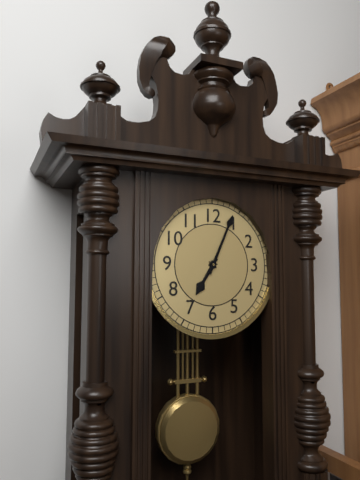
**7:04**
